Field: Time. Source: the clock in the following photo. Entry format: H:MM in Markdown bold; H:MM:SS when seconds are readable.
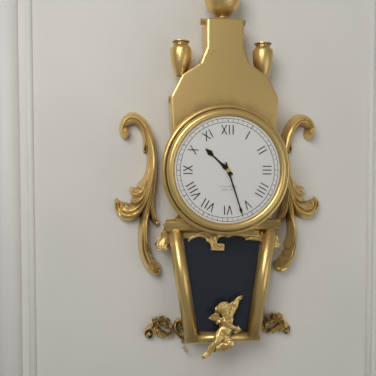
**10:27**
